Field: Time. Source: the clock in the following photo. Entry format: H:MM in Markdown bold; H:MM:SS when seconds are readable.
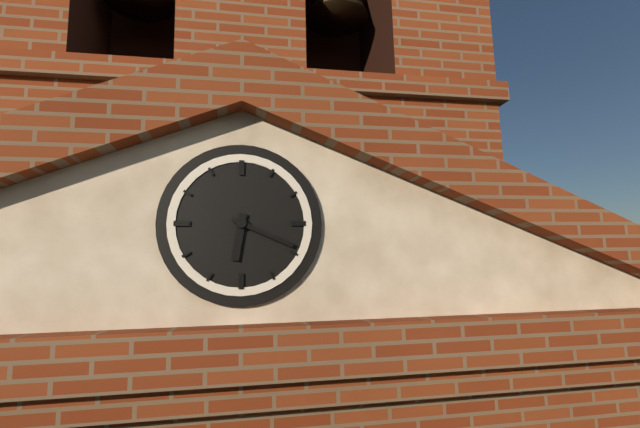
**6:19**
